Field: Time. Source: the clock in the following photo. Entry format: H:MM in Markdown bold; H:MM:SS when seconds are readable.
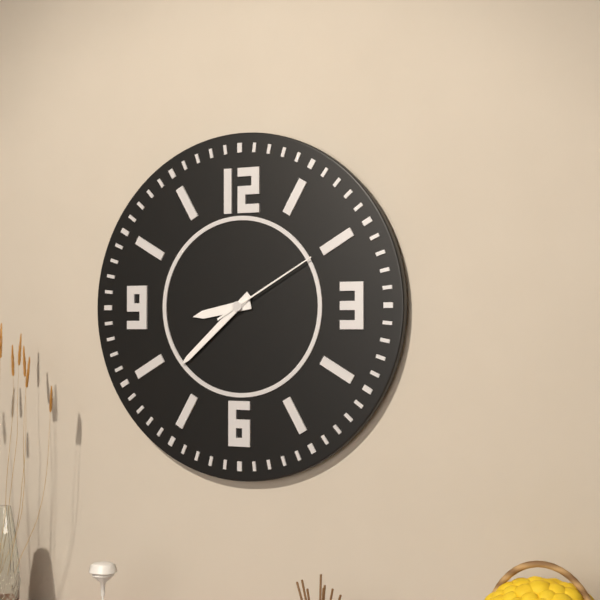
**8:38:10**
